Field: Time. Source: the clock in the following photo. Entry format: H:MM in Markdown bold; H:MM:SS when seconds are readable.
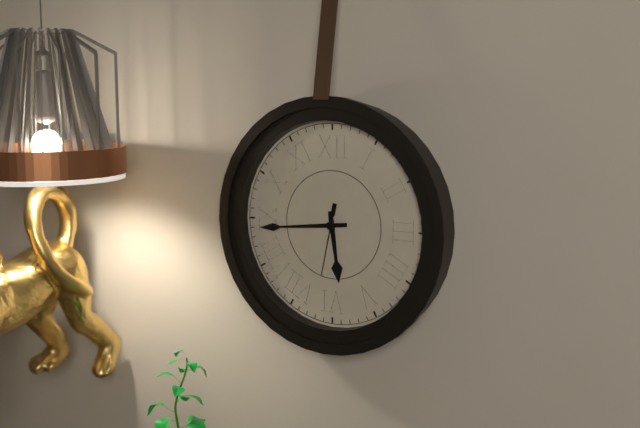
**5:44:32**
